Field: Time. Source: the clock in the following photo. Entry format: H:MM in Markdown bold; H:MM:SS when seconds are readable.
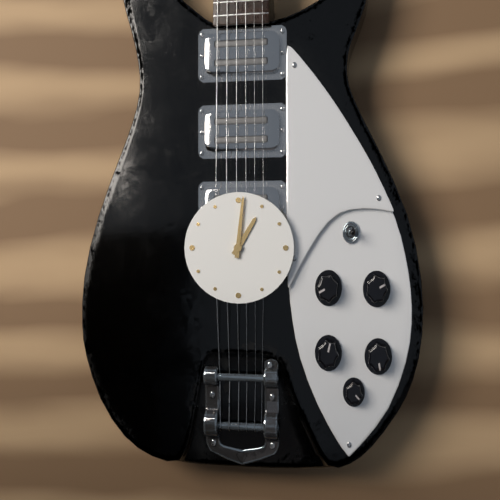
**1:01**
